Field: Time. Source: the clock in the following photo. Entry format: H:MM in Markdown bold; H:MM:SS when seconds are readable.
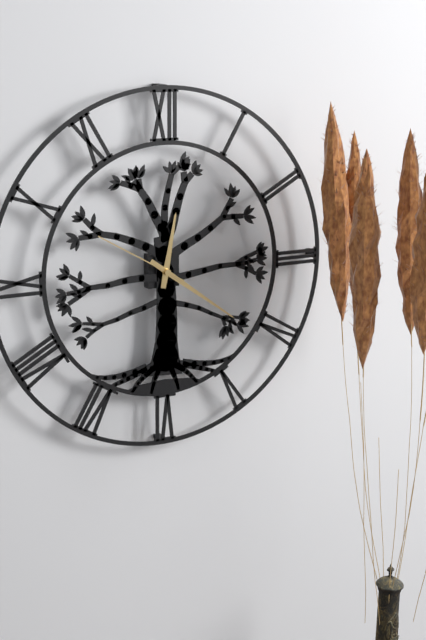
**12:21:50**
